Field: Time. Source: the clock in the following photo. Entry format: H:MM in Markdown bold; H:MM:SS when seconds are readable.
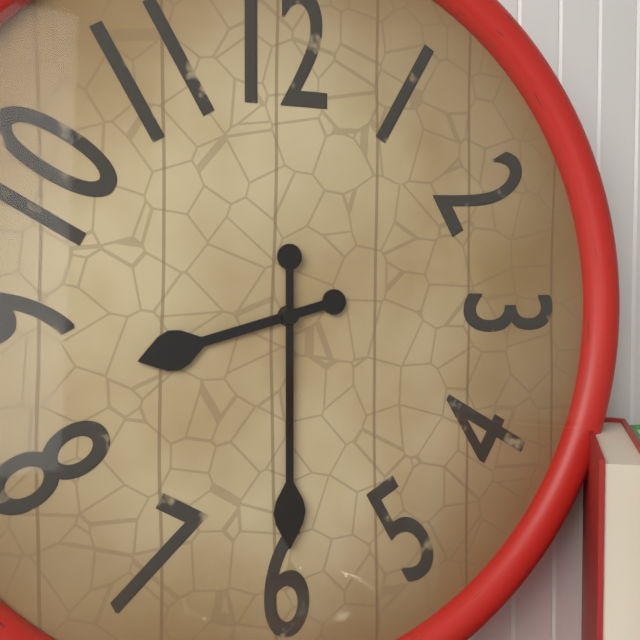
**8:30**
